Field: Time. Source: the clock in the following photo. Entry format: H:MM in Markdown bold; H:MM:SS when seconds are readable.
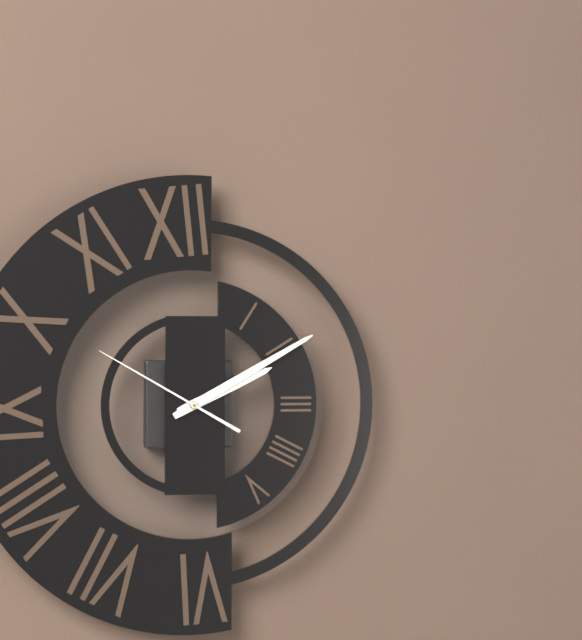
**2:10:50**
